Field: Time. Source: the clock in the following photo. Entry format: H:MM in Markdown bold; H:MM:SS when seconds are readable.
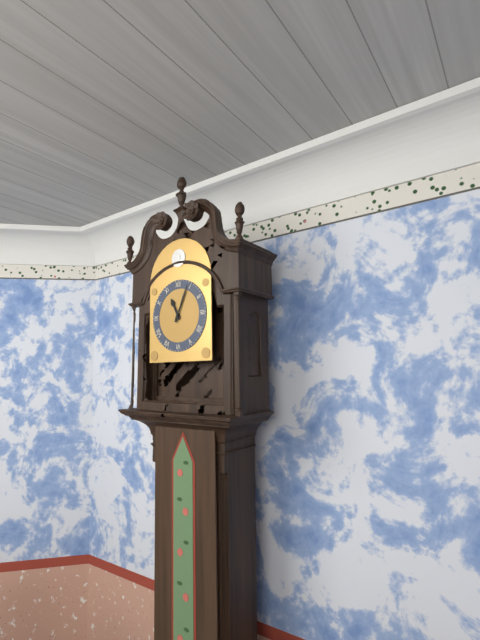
**11:04**
